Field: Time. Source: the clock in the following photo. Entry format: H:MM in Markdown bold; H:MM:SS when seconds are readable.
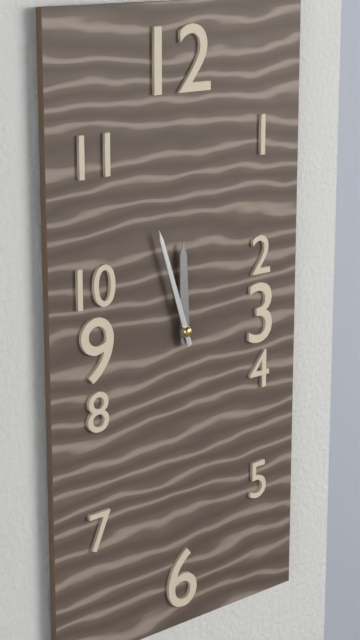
**11:57**
